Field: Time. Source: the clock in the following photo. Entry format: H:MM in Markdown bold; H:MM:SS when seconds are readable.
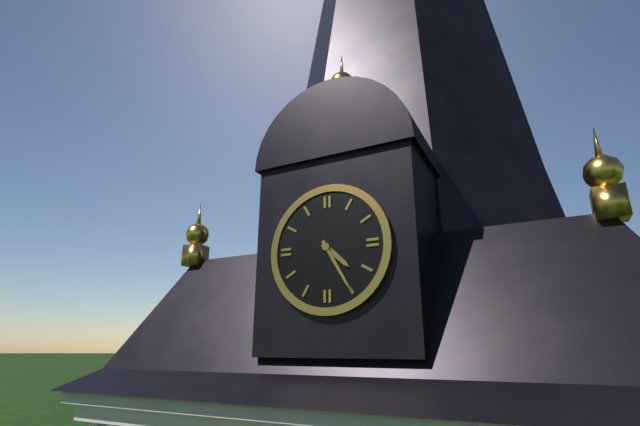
**4:25**
